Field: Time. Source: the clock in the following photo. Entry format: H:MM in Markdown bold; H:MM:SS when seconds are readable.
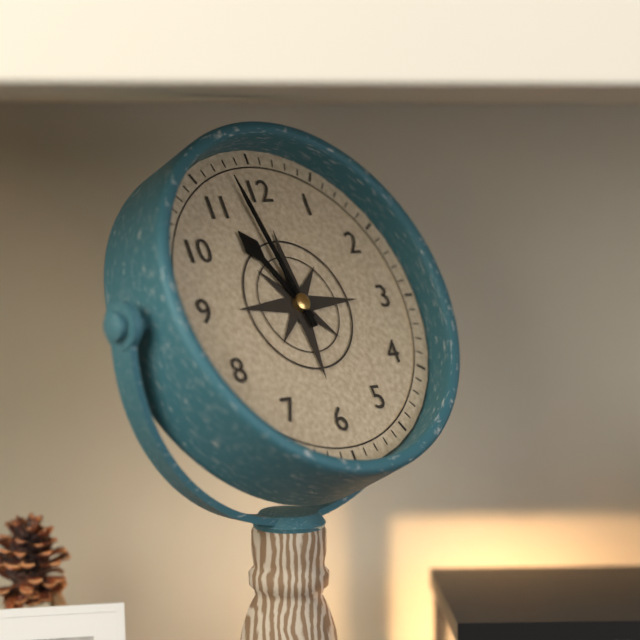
**10:58**
